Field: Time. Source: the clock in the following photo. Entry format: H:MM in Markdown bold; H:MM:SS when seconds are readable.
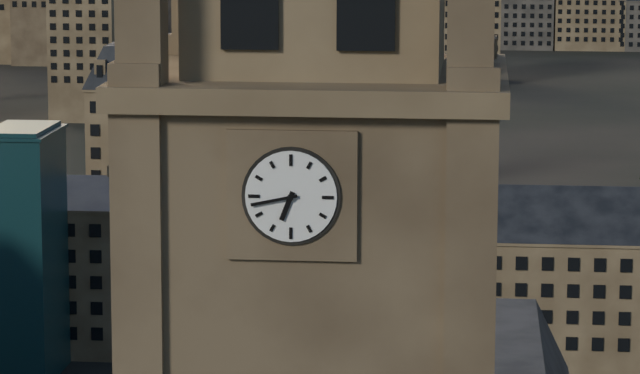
**6:43**
